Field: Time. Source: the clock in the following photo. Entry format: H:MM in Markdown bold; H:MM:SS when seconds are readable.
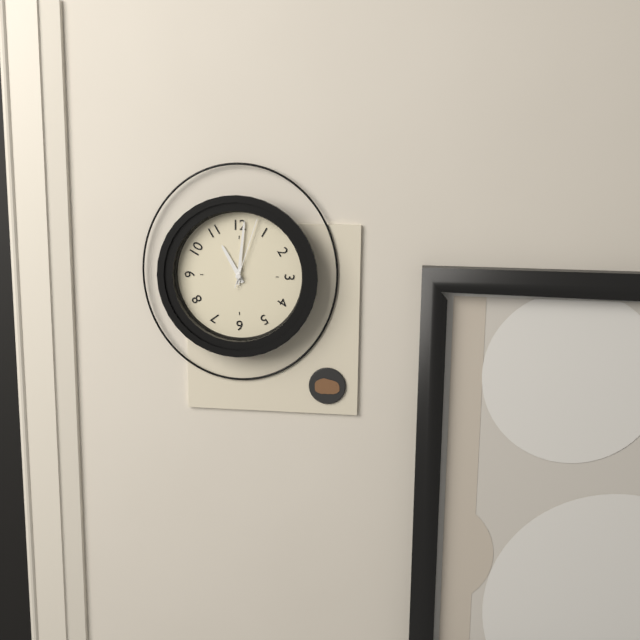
**11:01:03**
